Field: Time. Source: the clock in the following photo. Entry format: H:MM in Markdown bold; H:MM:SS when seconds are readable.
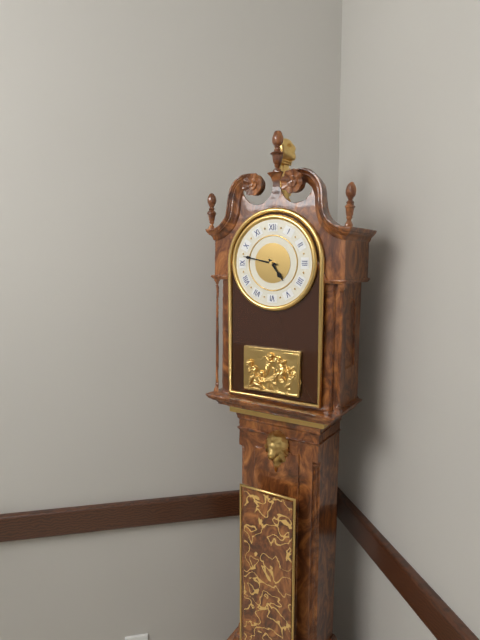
**4:47**
